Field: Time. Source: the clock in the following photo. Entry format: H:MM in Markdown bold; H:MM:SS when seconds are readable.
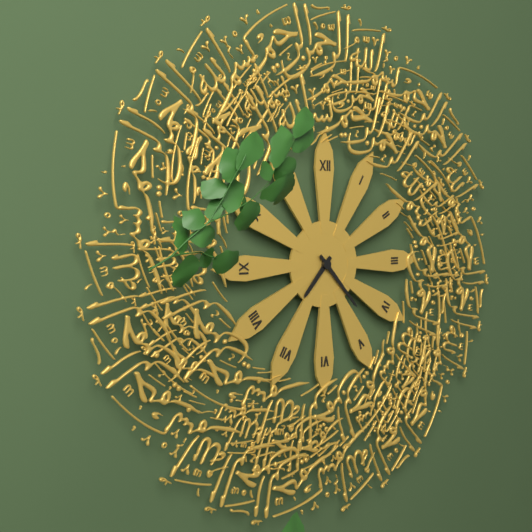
**7:23**
